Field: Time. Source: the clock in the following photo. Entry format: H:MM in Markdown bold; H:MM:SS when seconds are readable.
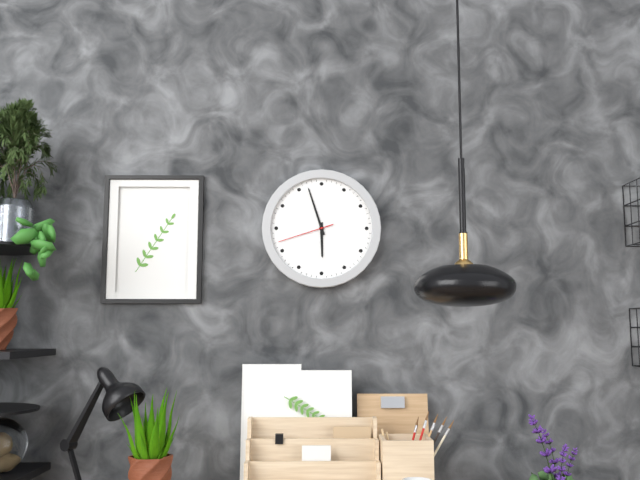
**5:57:42**
